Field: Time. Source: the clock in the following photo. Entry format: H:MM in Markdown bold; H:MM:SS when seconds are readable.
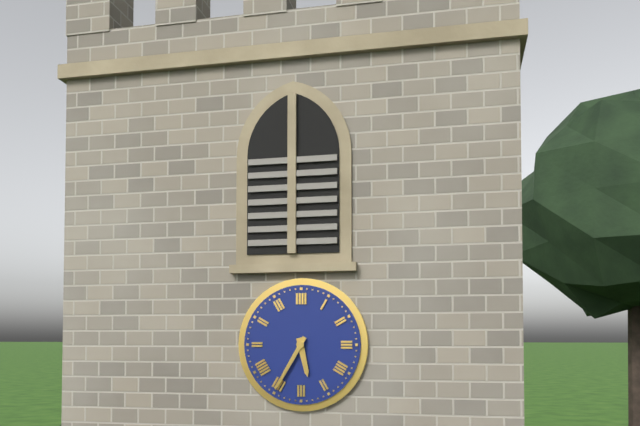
**5:35**
